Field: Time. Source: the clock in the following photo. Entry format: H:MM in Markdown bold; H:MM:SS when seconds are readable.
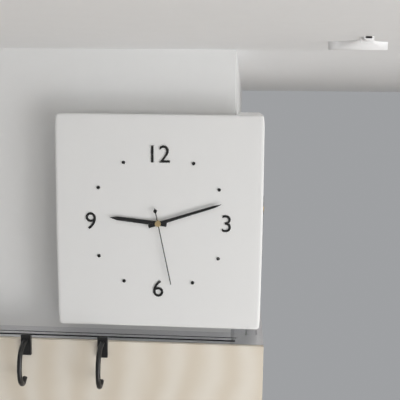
**9:12:28**
